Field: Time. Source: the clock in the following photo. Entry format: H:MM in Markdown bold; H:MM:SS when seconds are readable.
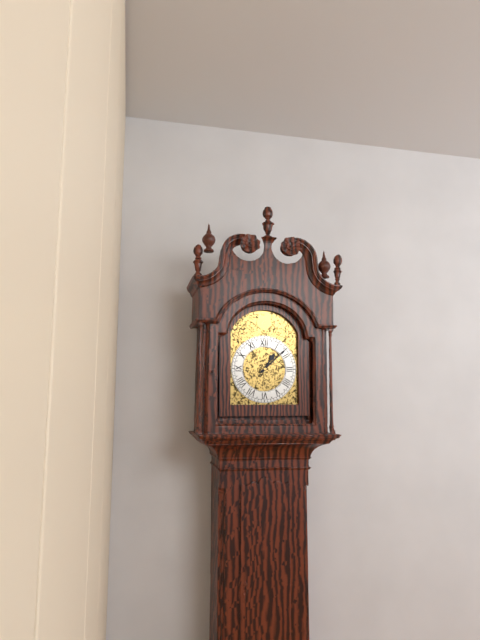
**1:08**
